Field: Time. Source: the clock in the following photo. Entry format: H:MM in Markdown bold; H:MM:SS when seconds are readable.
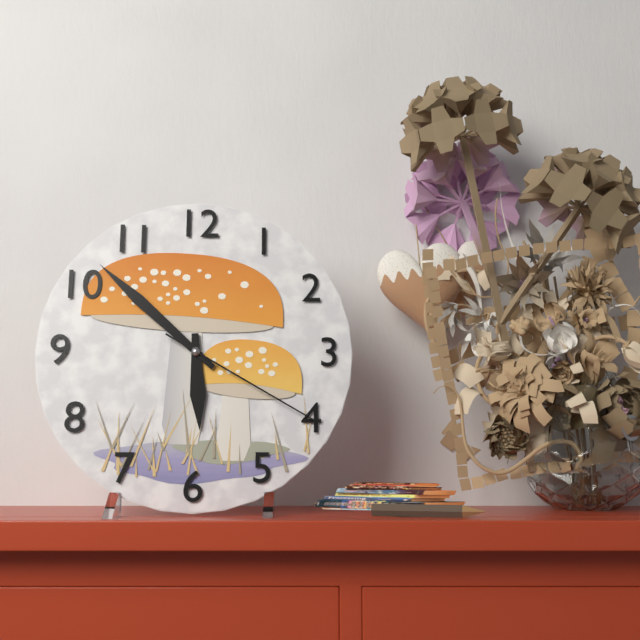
**5:52:20**
